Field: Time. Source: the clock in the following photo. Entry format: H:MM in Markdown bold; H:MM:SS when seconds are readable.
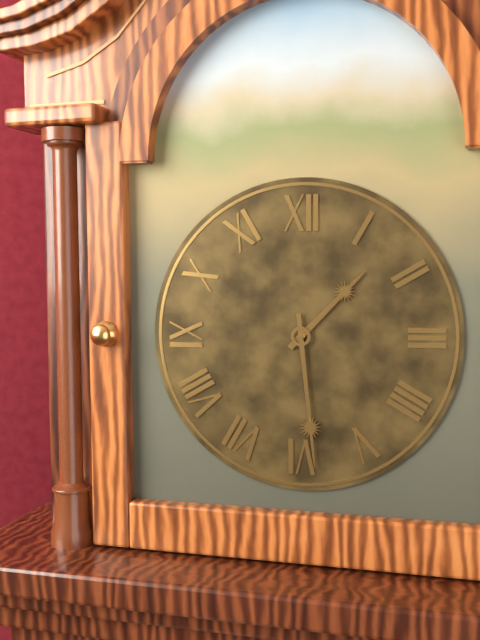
**1:29**
